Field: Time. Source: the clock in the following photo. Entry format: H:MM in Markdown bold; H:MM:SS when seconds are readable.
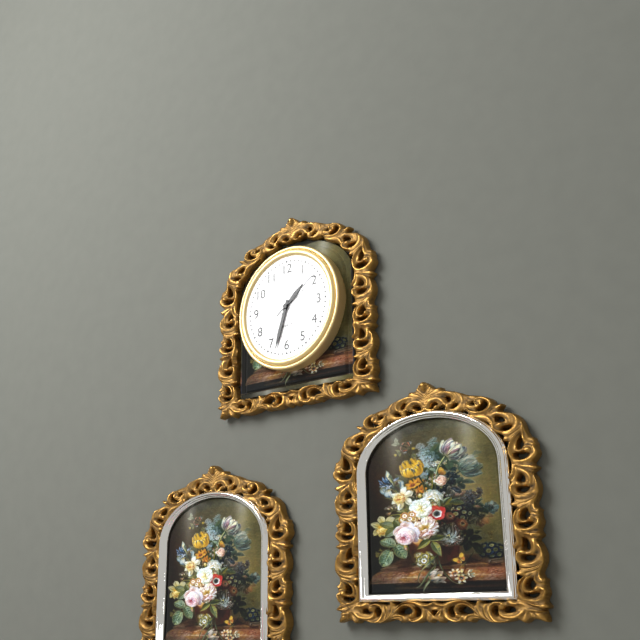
**1:33:09**
